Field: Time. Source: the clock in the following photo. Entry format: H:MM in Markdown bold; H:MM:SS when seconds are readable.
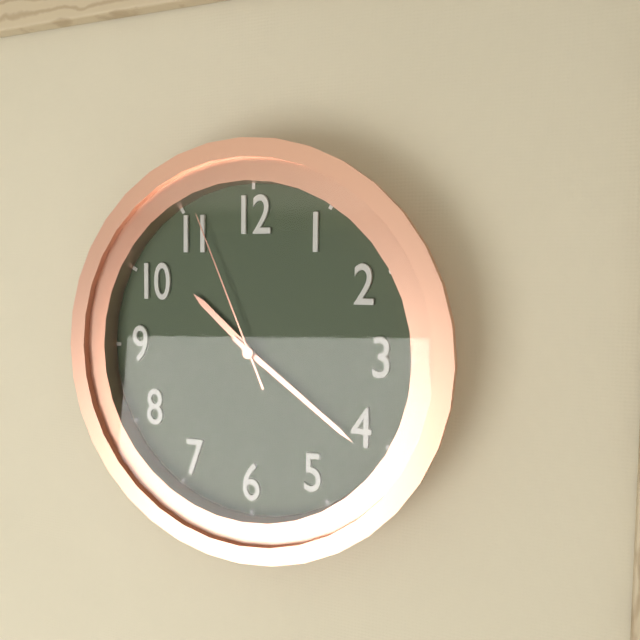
**10:21:56**
